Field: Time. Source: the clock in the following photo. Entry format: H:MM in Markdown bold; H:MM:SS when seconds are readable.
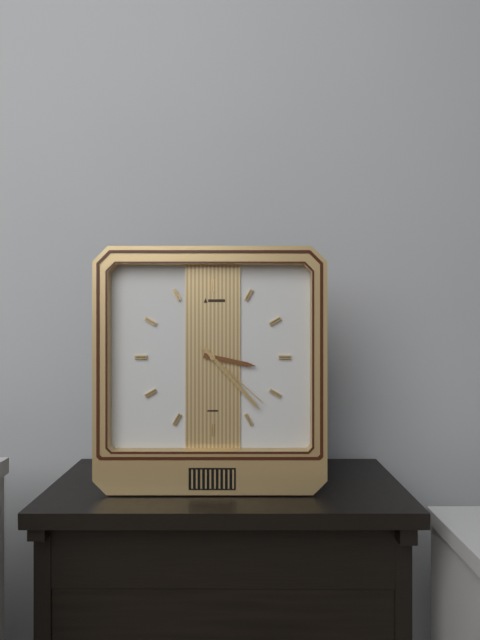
**3:23:22**
